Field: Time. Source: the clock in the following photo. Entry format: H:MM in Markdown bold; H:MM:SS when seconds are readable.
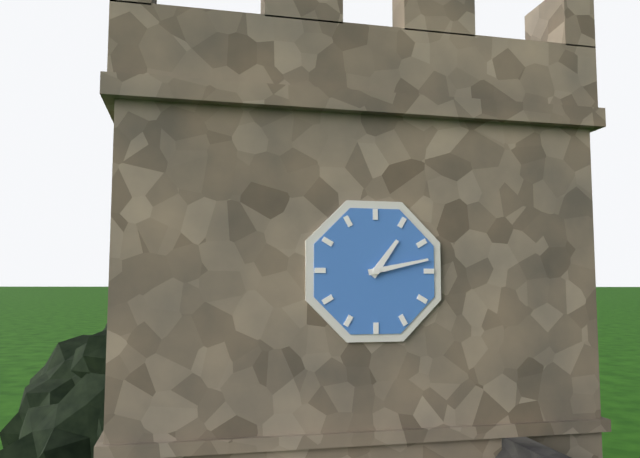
**1:13**
